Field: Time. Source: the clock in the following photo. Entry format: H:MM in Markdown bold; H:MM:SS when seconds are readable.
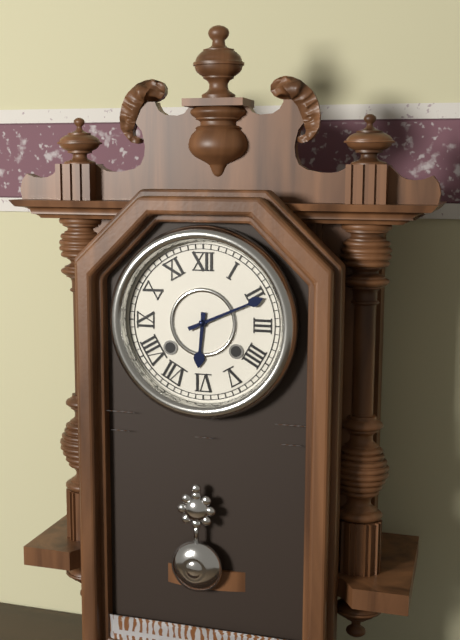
**6:11**
